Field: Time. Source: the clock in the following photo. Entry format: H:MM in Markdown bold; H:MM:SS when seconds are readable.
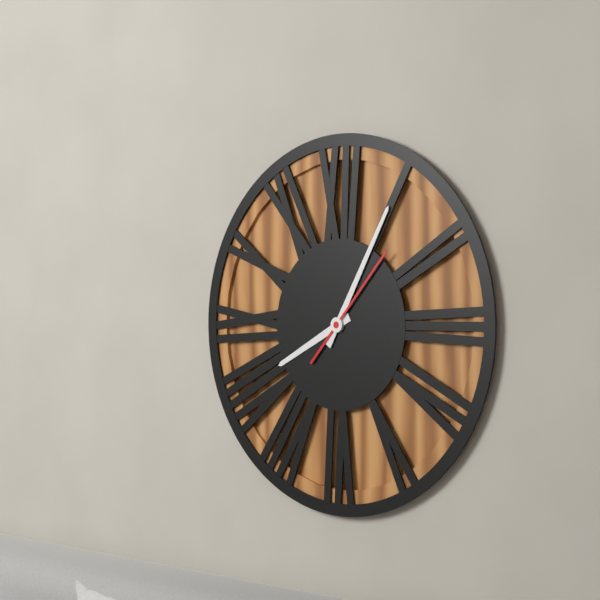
**8:05:07**
